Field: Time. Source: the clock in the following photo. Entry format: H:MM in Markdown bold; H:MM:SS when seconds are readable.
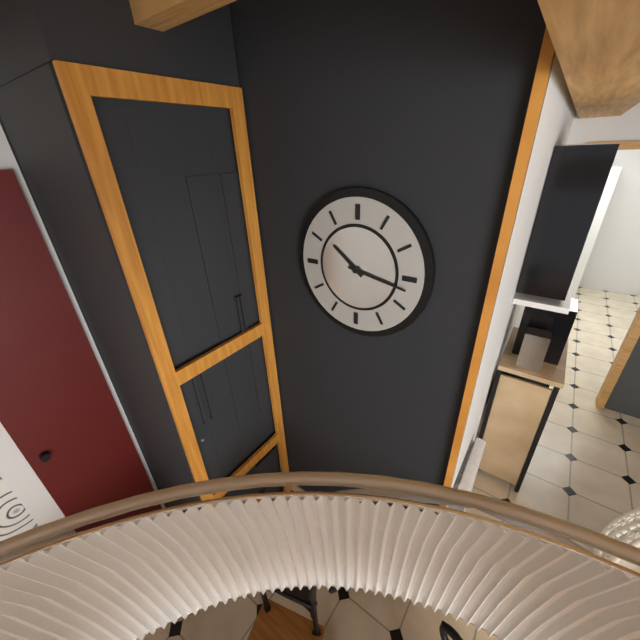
**10:17**
